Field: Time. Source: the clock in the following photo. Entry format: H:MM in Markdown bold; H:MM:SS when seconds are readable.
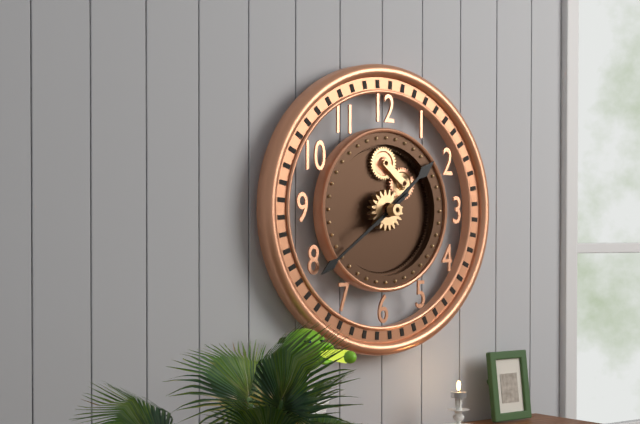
**1:39**
